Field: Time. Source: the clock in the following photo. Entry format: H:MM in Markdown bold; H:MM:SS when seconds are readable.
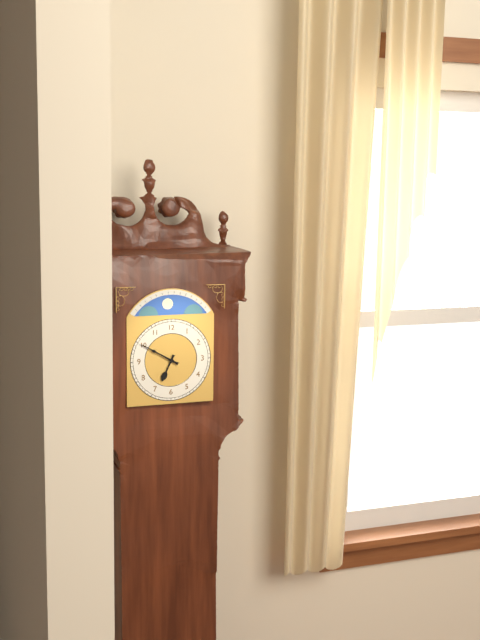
**6:50**
